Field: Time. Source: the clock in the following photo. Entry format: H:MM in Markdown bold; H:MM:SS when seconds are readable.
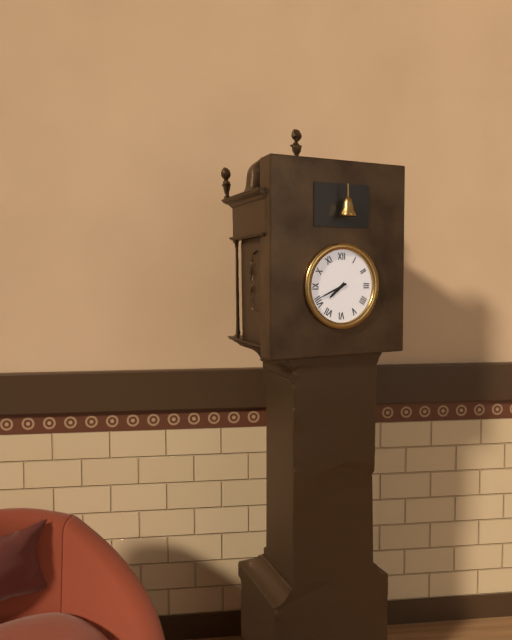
**7:41**
